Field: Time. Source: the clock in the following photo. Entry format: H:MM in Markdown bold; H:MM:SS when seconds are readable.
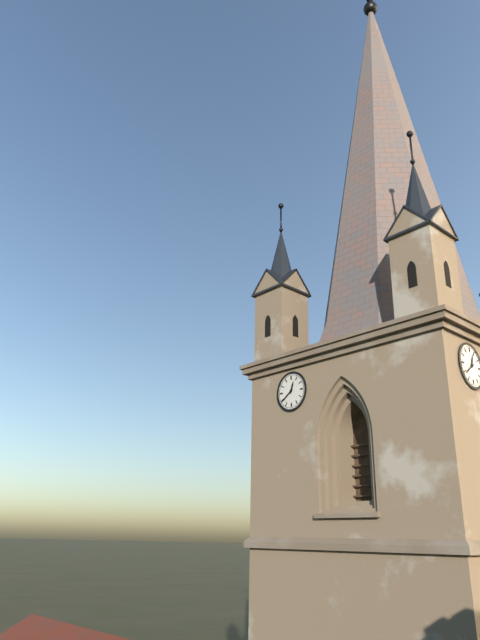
**12:39**
